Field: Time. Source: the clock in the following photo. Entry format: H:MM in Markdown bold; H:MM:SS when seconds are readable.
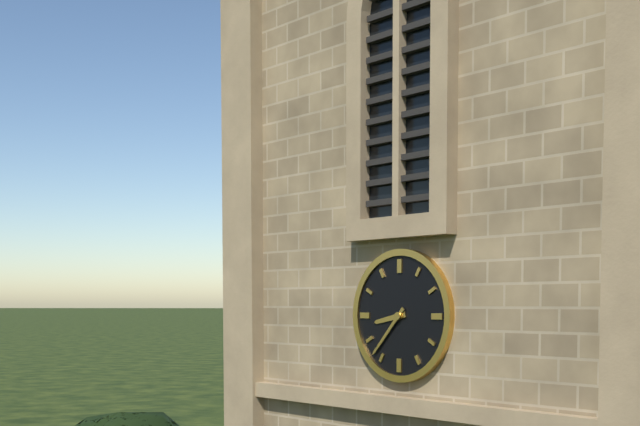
**8:37**
